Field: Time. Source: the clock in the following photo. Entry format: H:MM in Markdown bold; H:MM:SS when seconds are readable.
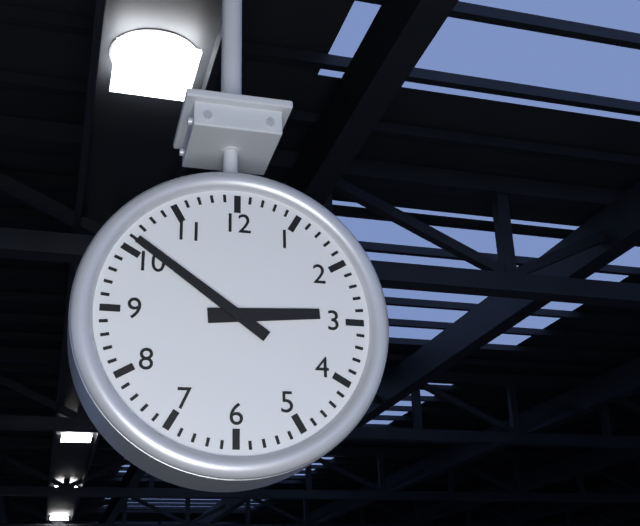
**2:51**
